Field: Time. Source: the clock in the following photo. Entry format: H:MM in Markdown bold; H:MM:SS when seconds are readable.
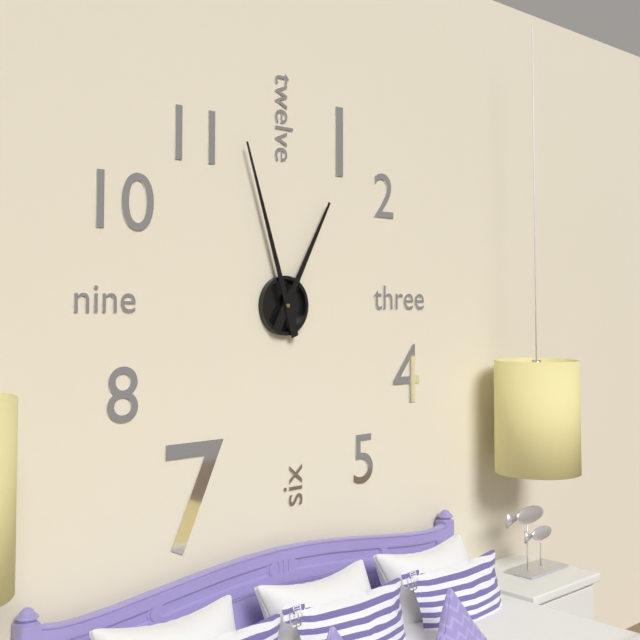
**12:57**
